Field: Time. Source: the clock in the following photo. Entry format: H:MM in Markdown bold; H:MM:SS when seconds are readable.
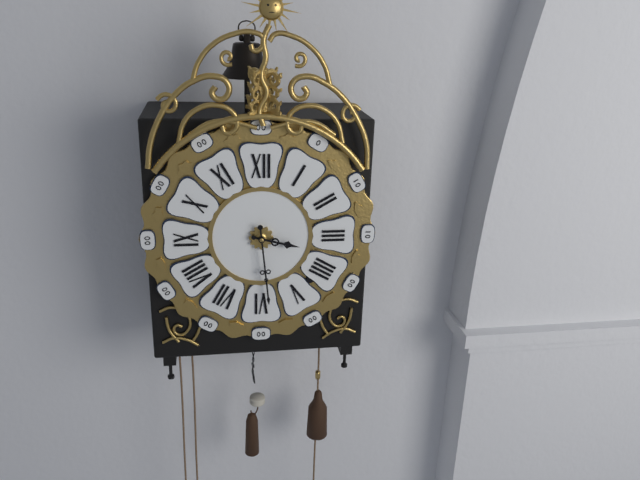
**3:29**
